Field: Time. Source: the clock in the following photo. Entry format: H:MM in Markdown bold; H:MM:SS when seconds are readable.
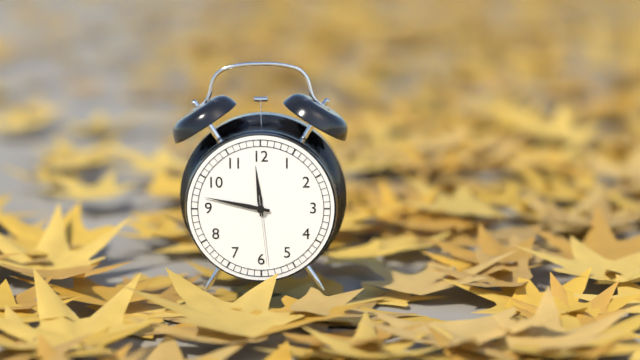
**11:47:29**
